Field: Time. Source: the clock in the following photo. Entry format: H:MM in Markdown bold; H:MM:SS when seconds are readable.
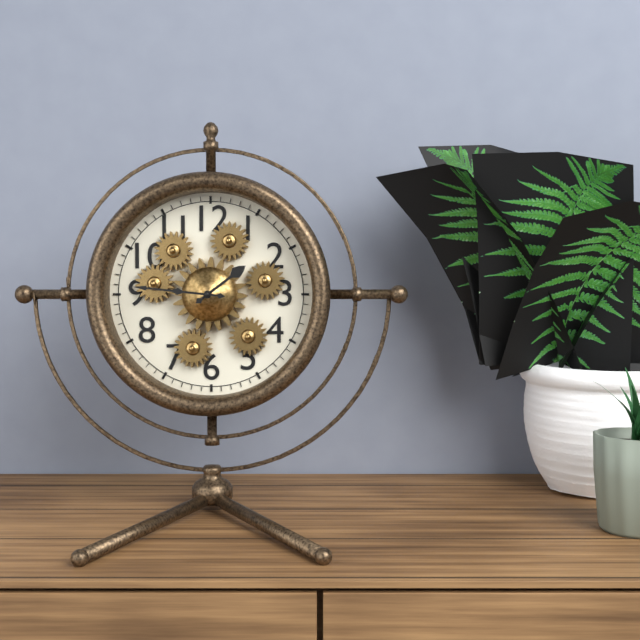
**1:46**
